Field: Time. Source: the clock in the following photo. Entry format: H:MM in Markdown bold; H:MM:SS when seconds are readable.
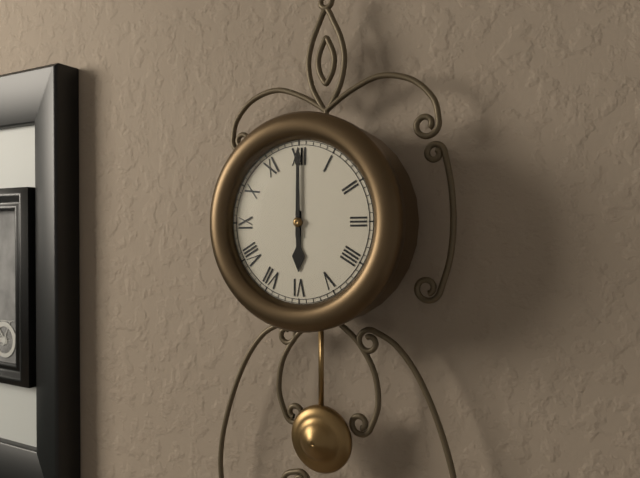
**6:00**
